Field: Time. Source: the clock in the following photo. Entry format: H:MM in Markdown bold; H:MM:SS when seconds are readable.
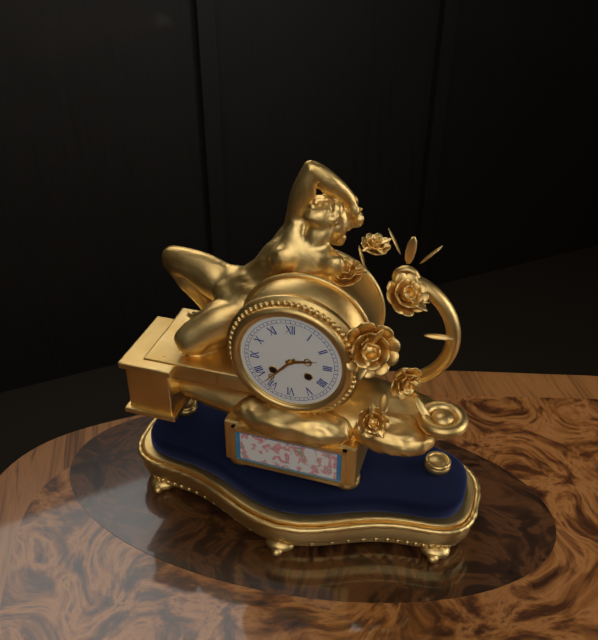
**2:37**
